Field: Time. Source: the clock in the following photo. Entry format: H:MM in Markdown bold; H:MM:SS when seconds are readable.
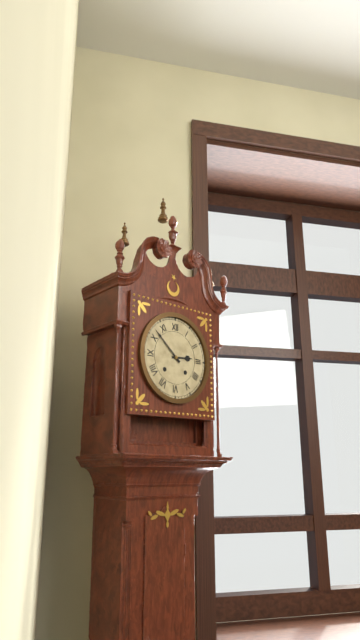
**2:52**
